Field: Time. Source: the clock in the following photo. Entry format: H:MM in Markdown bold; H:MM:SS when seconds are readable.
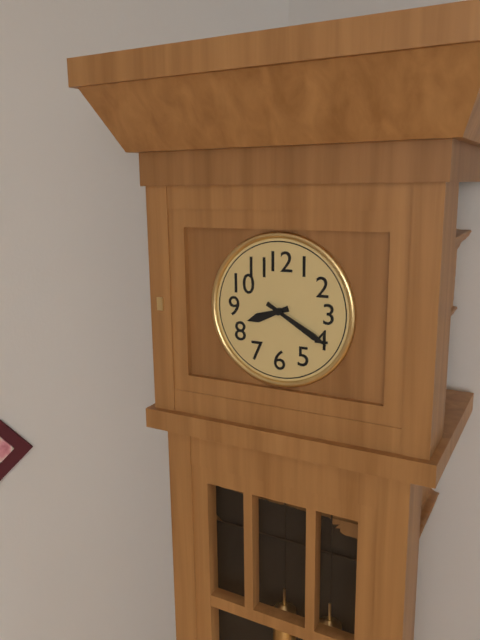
**8:20**
